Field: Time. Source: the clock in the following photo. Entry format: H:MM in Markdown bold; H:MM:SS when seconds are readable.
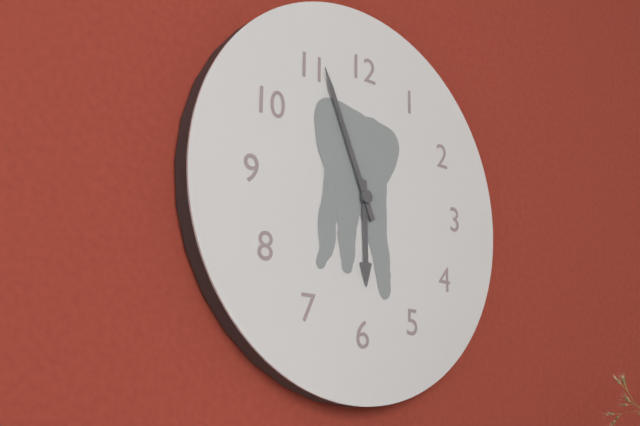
**5:56**
